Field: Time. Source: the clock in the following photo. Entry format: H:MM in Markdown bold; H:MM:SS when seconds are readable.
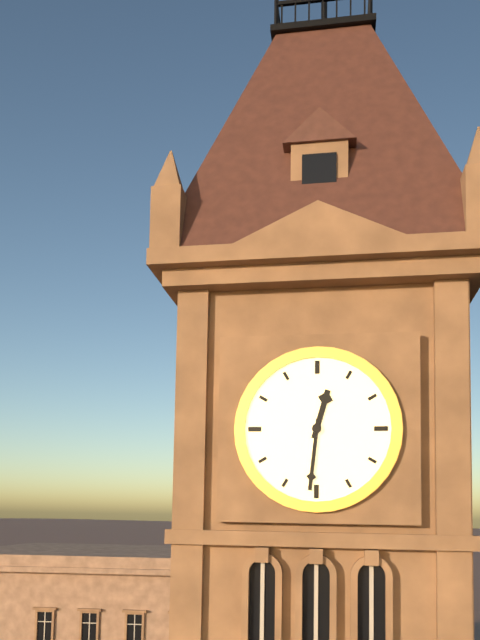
**12:31**
